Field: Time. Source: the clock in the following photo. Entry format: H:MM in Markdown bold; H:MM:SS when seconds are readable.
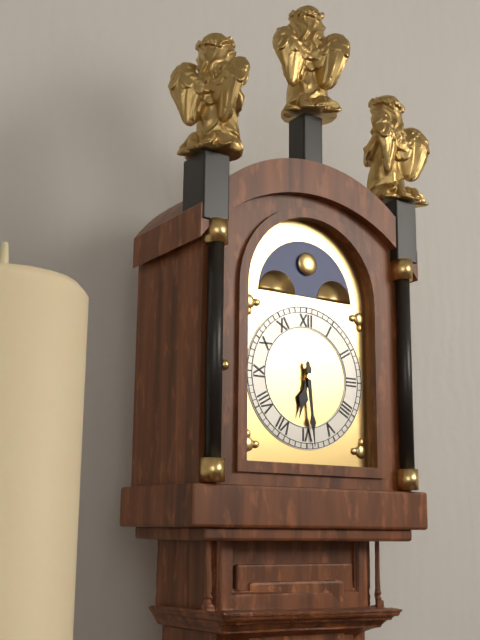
**6:29**
